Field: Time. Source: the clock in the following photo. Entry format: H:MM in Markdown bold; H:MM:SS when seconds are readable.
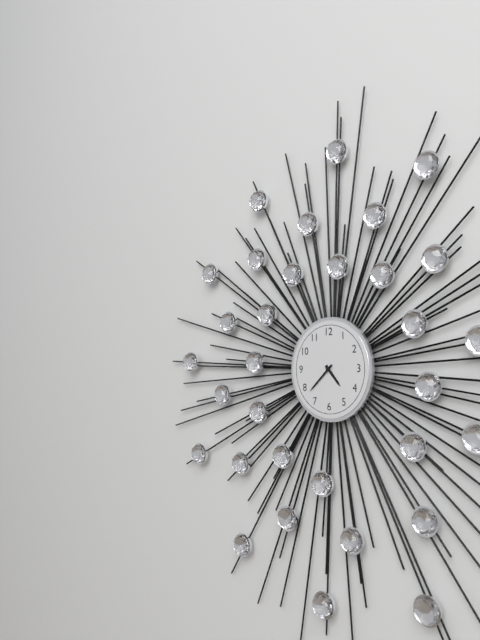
**4:38**
